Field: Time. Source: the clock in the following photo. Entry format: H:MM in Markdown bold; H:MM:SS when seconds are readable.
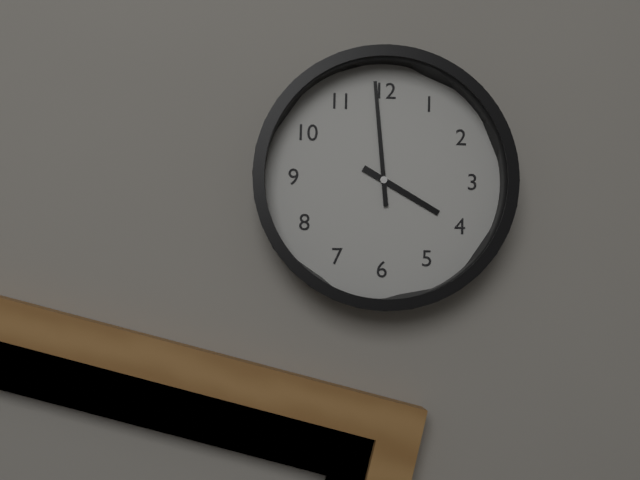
**3:59**
